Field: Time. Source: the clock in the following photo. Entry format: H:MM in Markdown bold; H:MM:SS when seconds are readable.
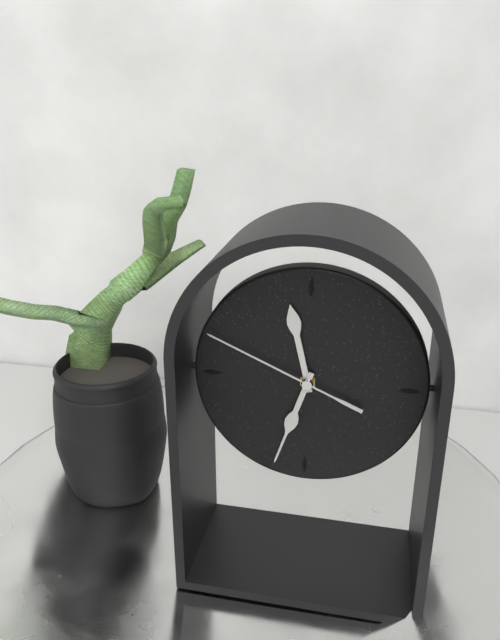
**11:33:49**
